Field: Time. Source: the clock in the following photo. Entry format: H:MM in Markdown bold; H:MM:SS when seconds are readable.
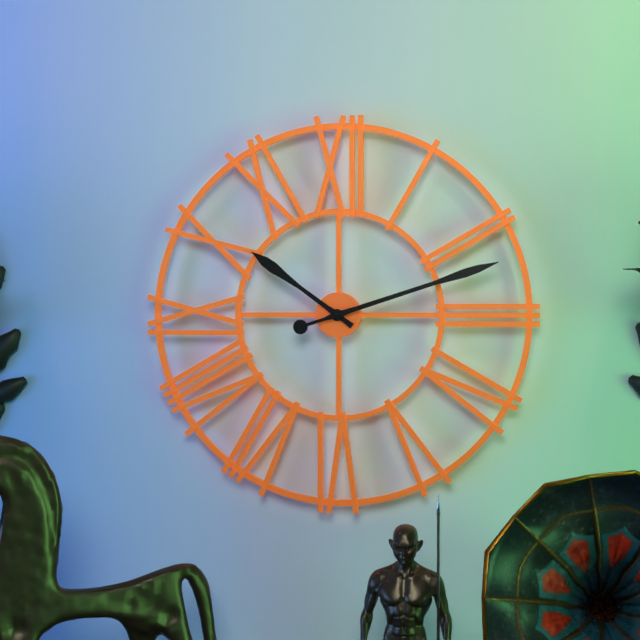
**10:12**
